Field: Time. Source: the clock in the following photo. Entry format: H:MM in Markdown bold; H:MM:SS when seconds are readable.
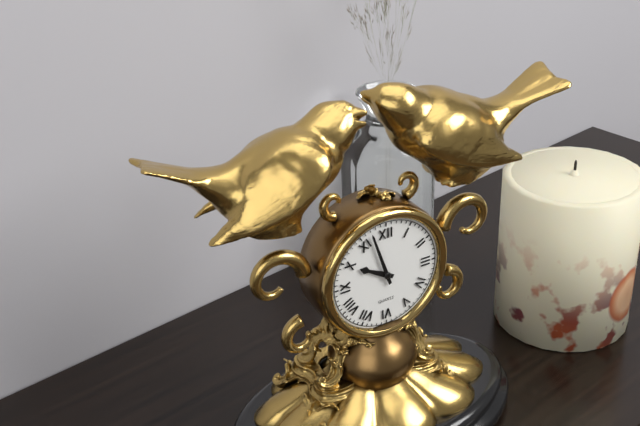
**9:57**
